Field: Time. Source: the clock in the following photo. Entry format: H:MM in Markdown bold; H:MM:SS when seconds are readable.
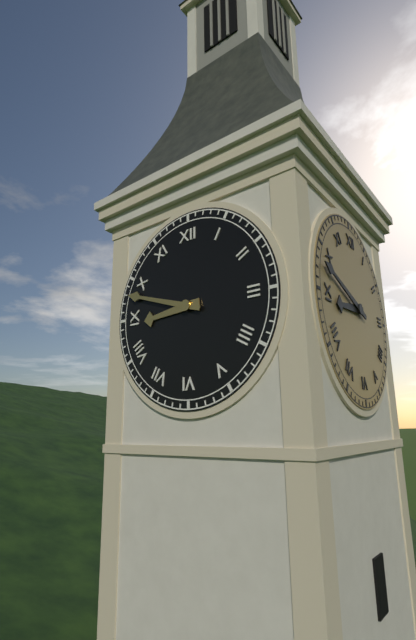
**8:48**
